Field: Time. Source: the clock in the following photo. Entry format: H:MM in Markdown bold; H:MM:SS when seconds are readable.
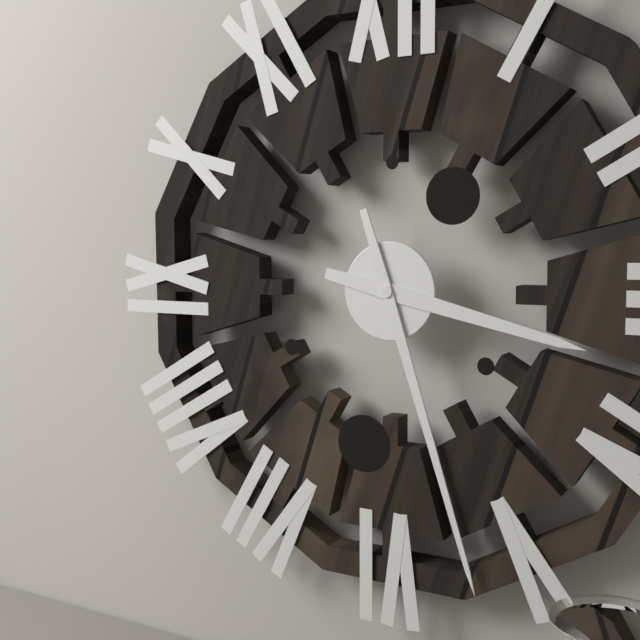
**3:27**
